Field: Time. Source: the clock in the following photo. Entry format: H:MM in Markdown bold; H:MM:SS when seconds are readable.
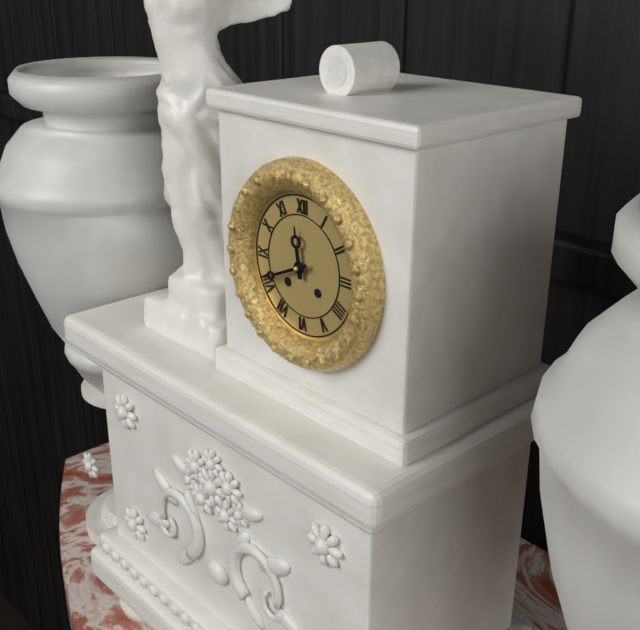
**11:41**
